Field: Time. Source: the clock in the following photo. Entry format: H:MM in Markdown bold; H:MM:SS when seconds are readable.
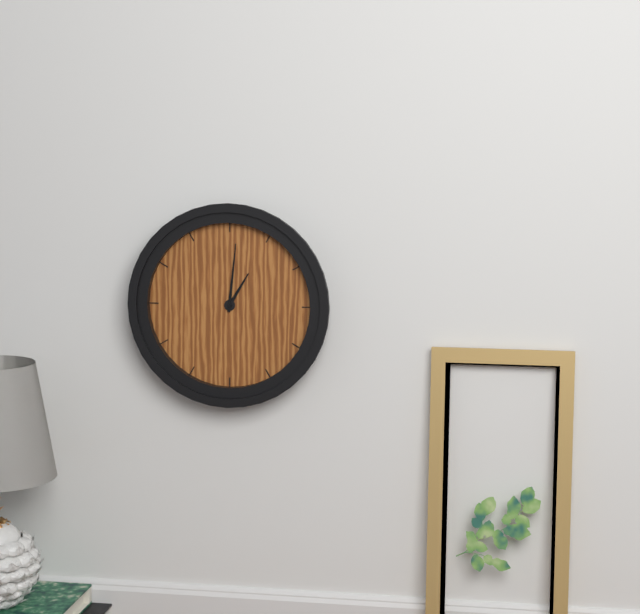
**1:01**
